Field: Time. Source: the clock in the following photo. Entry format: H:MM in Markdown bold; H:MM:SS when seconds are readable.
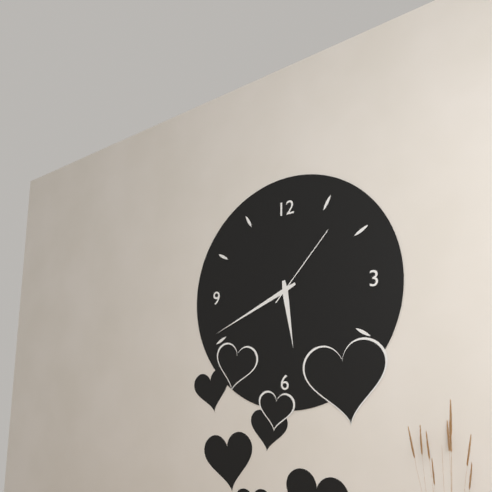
**5:41:07**
